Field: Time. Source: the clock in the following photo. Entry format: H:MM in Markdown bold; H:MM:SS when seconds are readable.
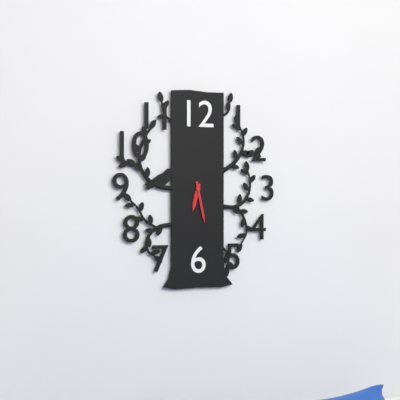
**6:28**
